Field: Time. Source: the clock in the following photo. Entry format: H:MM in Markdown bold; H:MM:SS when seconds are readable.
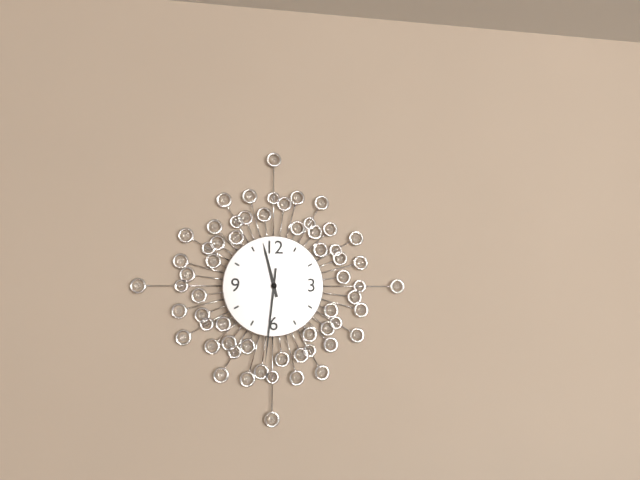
**11:31**
